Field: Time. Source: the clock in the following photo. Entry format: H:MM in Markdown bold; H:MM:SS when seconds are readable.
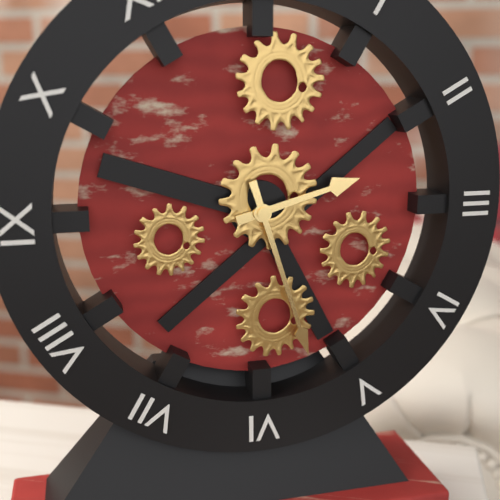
**2:27**
